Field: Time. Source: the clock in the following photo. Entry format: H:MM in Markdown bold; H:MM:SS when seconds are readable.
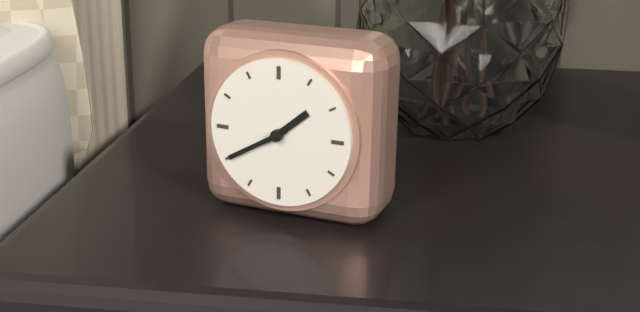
**1:40**
